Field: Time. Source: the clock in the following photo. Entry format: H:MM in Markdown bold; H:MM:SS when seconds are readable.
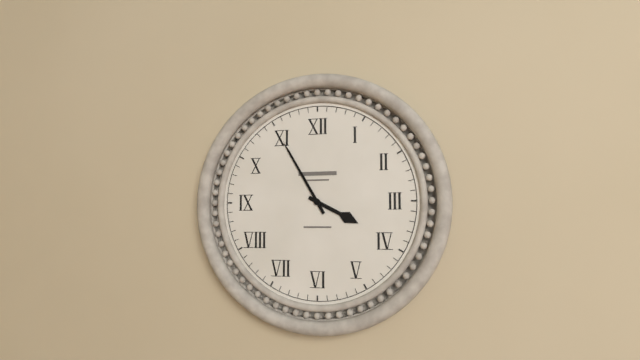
**3:55**
